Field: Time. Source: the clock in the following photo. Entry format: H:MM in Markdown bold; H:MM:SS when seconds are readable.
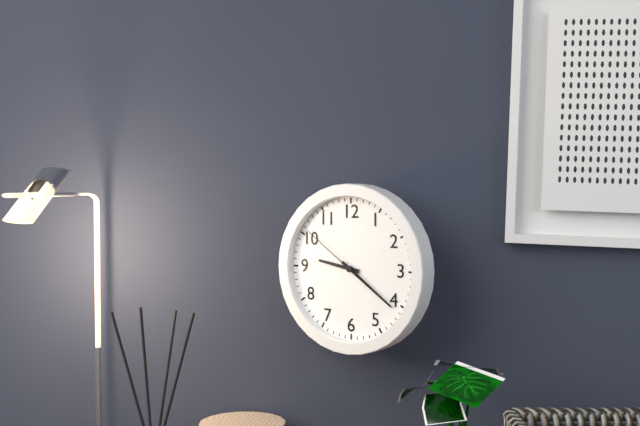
**9:21:51**
